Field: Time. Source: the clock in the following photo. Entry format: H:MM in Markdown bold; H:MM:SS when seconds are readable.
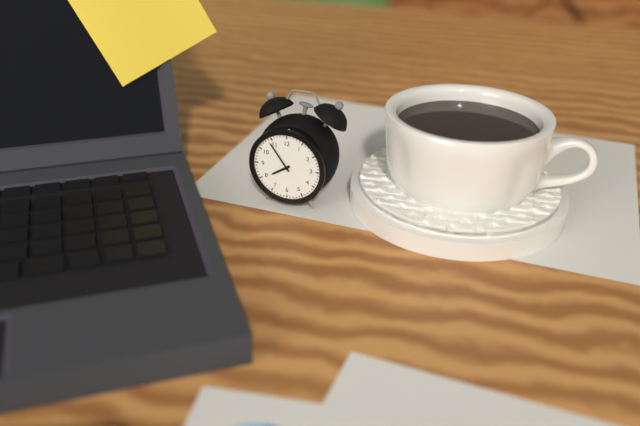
**7:54**
